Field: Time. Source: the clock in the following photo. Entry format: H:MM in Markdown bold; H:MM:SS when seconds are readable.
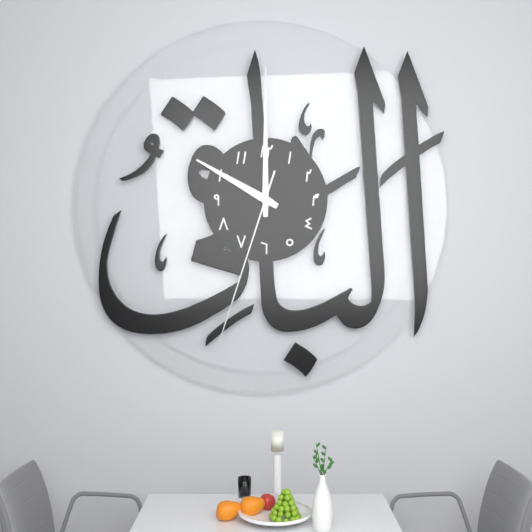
**10:00:33**
